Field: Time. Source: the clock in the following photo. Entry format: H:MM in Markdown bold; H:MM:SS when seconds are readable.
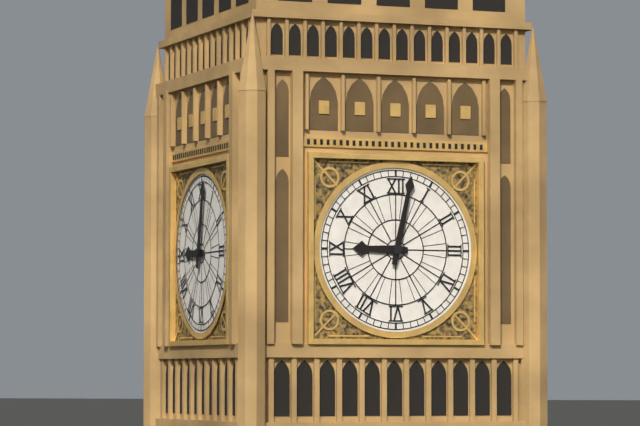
**9:02**
